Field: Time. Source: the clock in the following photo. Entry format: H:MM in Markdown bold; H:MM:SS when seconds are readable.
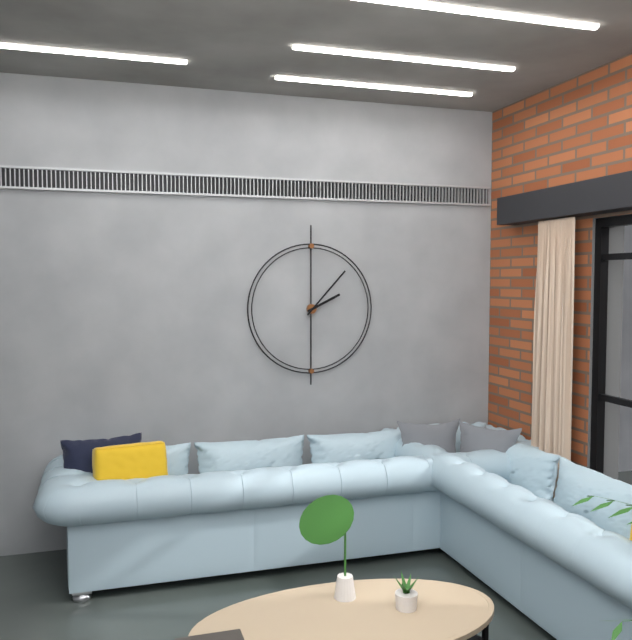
**2:07**
